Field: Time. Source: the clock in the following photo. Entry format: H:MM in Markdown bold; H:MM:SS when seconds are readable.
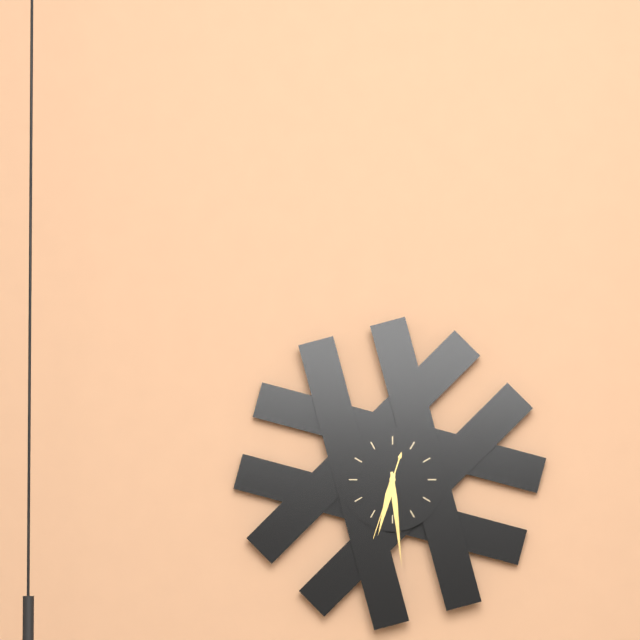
**6:29:33**
